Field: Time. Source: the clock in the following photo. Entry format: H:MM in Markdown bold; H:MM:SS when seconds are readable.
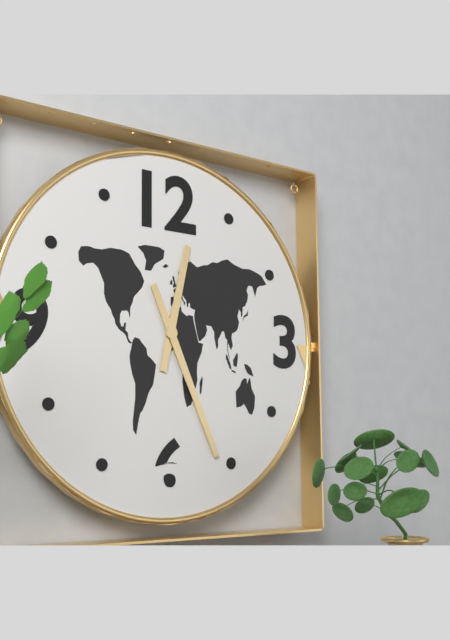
**12:26**
